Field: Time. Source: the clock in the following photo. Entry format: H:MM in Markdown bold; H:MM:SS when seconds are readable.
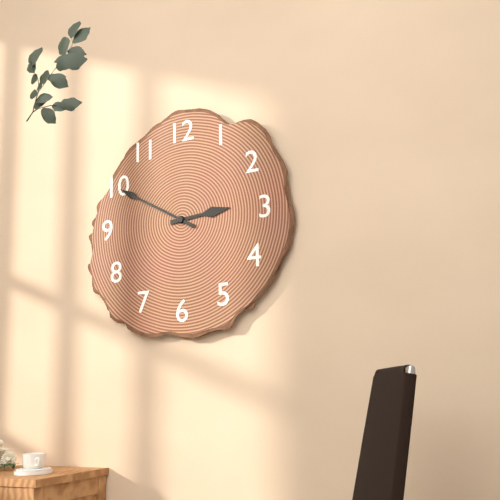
**2:50**
